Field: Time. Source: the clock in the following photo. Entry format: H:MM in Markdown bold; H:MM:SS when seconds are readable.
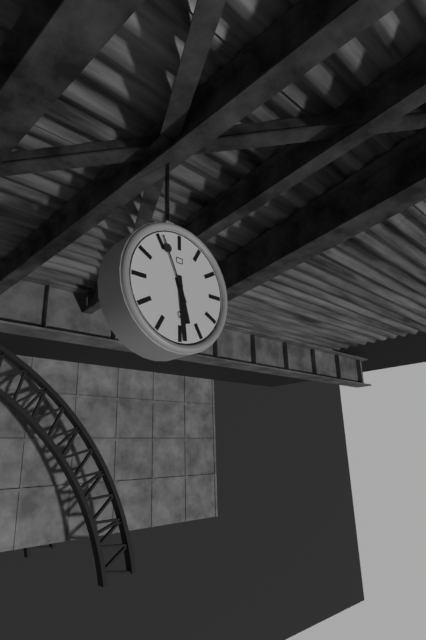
**5:29:56**
